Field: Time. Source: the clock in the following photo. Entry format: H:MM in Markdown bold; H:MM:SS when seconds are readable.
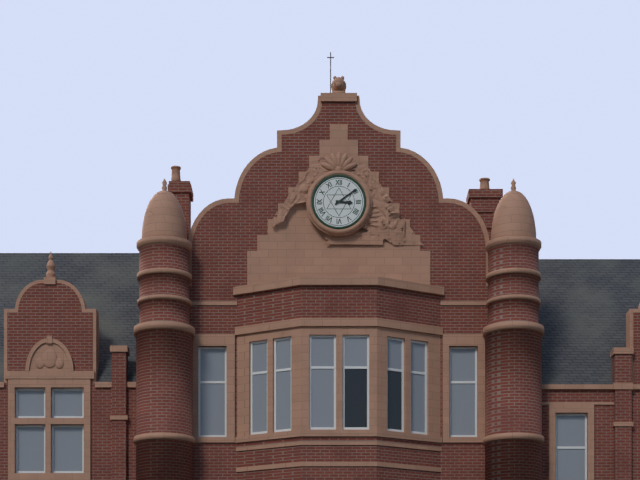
**3:09**
